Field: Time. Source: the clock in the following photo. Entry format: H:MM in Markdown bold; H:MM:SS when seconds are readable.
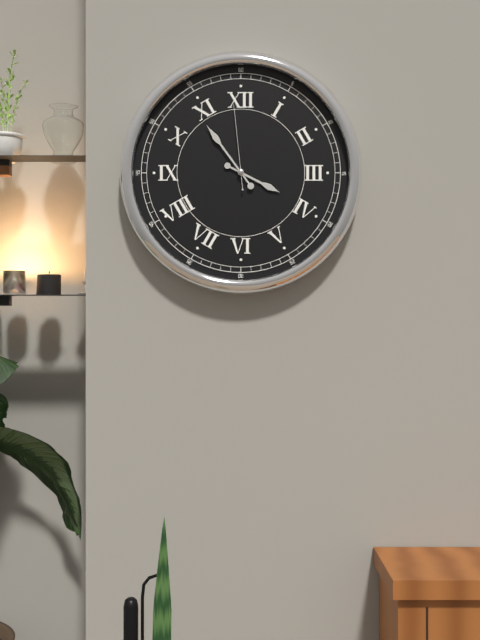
**3:54:59**
